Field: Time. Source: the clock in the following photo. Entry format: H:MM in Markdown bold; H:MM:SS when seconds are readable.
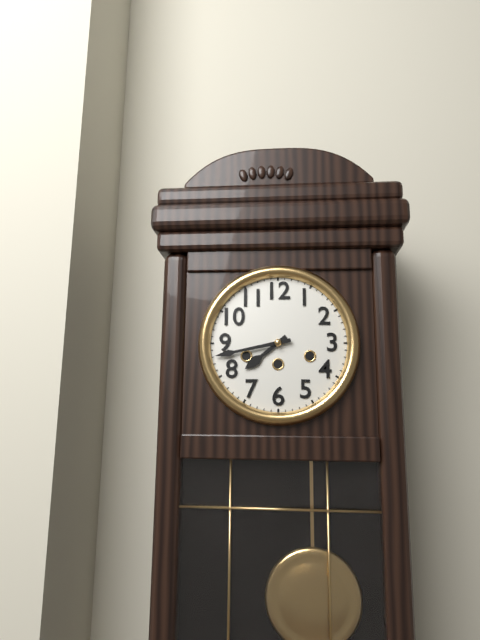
**7:43**
